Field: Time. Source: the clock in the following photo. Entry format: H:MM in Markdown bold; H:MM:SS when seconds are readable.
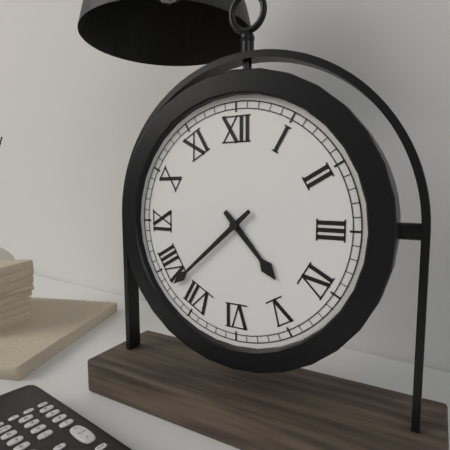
**4:38**
